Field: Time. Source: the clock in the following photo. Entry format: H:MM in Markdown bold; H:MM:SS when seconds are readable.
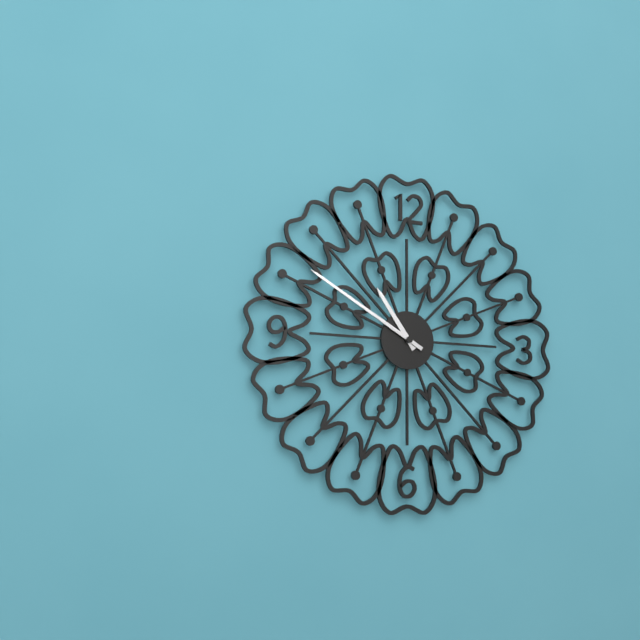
**10:50**
